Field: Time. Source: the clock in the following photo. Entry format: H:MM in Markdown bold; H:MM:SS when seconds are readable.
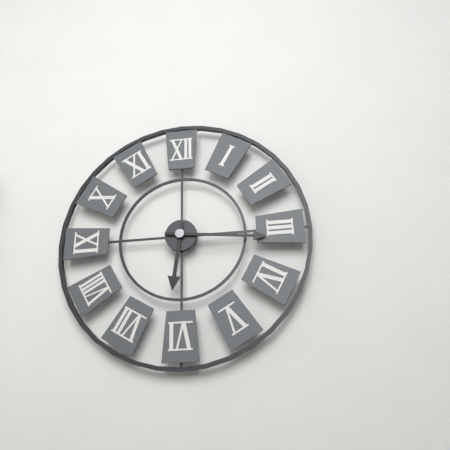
**6:16**
